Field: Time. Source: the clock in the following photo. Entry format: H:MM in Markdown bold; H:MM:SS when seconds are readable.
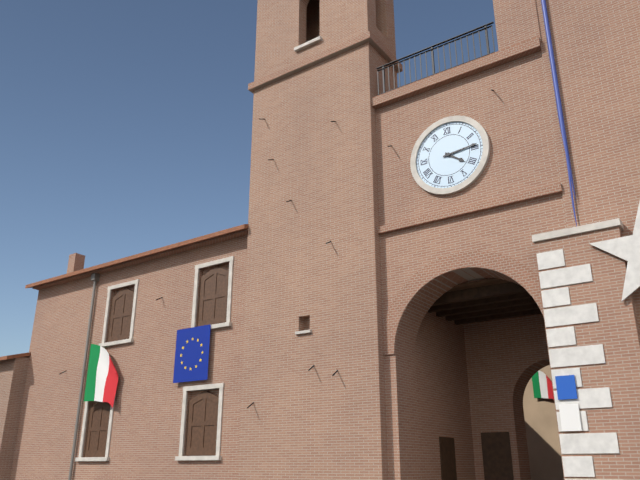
**4:14**
